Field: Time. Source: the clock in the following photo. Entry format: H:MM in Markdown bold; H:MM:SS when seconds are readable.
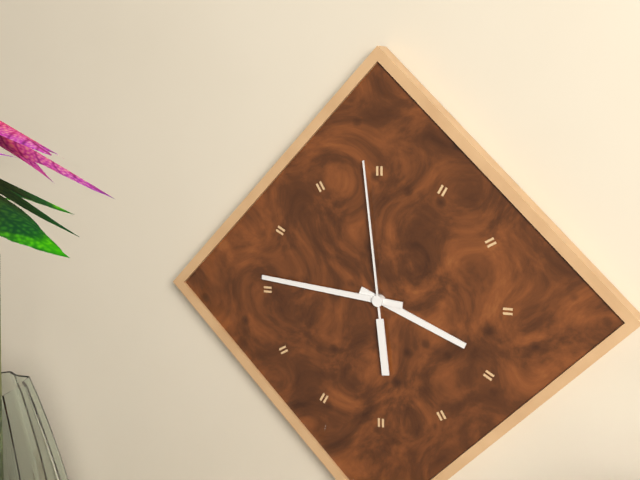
**3:46:59**
